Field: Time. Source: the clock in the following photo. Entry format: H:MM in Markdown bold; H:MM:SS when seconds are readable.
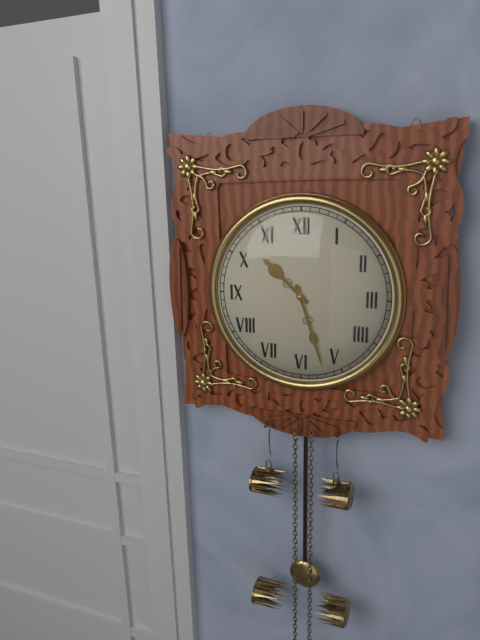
**10:27**
